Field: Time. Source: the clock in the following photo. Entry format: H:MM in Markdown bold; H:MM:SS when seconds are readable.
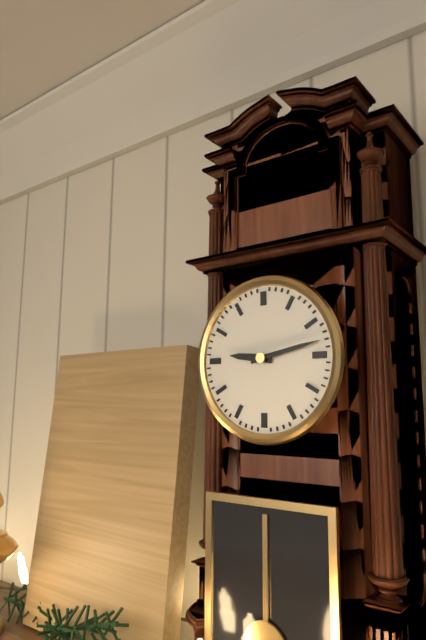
**9:13**
